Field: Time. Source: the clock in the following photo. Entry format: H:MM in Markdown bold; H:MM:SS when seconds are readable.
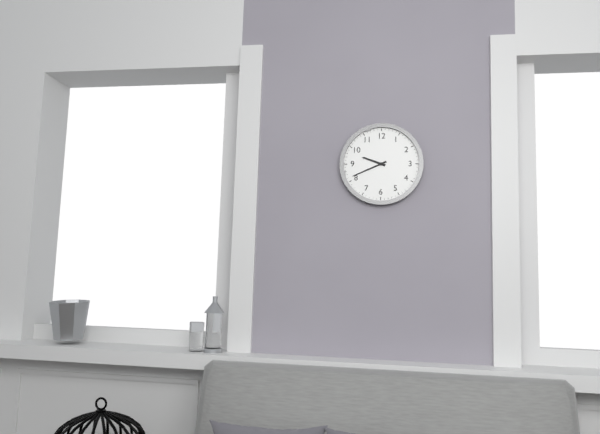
**9:41**
